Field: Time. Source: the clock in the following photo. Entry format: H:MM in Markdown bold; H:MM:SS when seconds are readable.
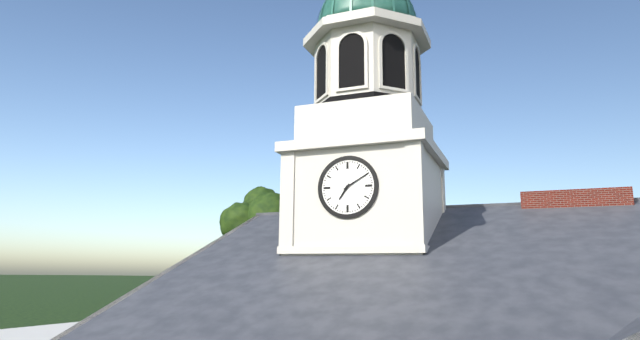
**7:10**
